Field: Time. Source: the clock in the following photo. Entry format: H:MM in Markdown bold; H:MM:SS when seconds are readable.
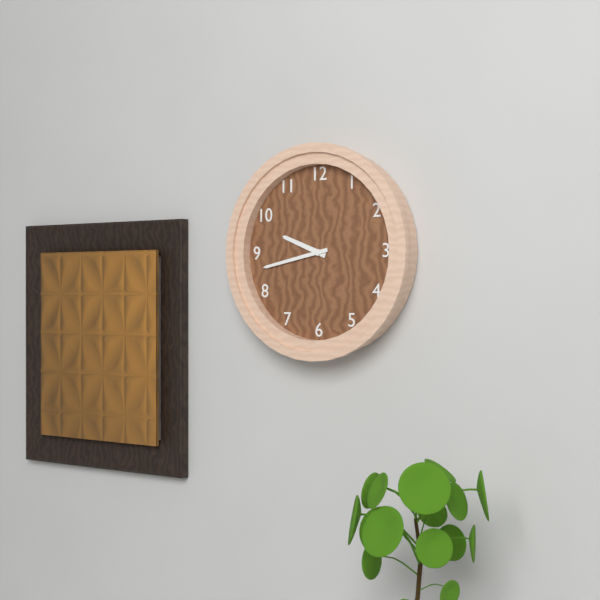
**9:43**
